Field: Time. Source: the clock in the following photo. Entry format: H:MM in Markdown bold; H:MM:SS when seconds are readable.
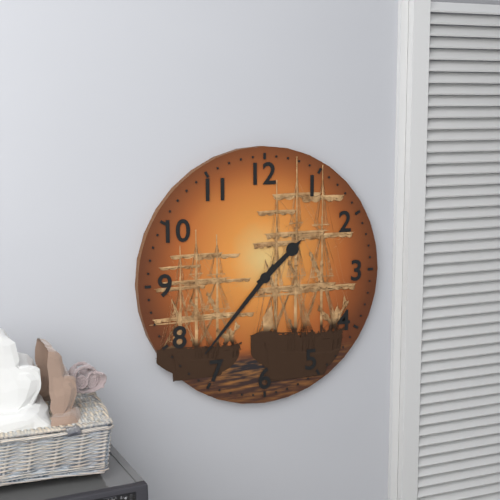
**1:37**
